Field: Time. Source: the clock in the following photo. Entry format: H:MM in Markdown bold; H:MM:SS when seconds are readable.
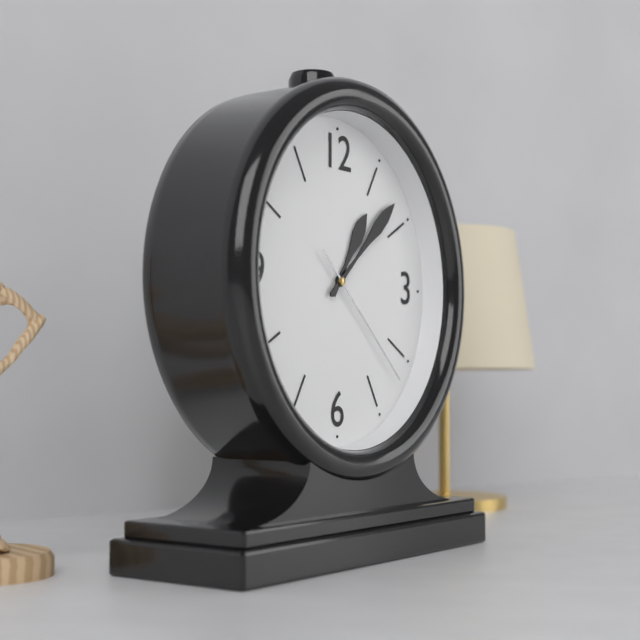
**1:08:22**
